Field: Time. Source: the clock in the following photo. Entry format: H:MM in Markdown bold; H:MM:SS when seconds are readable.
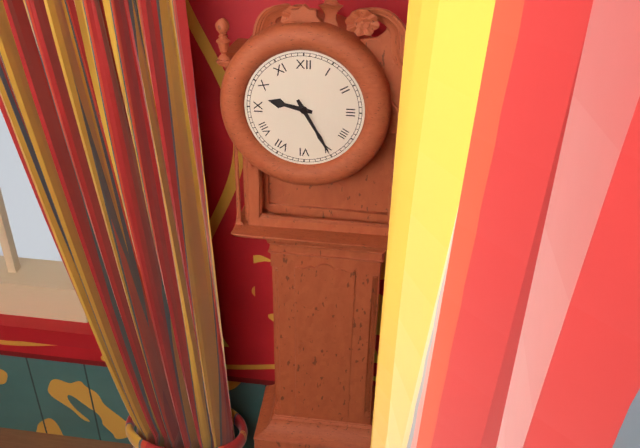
**9:25**
